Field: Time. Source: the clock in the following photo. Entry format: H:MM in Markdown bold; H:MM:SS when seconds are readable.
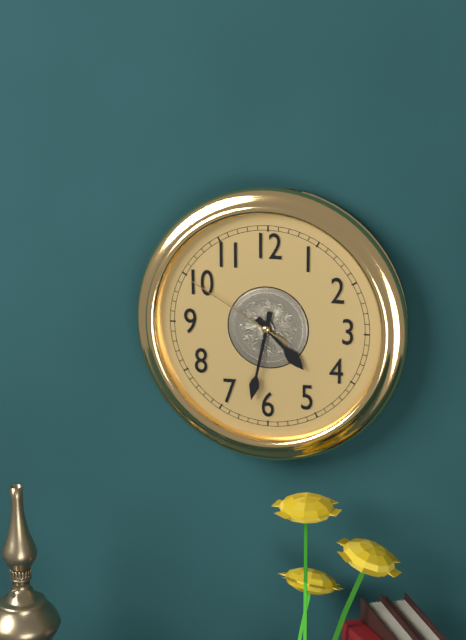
**4:32:50**
